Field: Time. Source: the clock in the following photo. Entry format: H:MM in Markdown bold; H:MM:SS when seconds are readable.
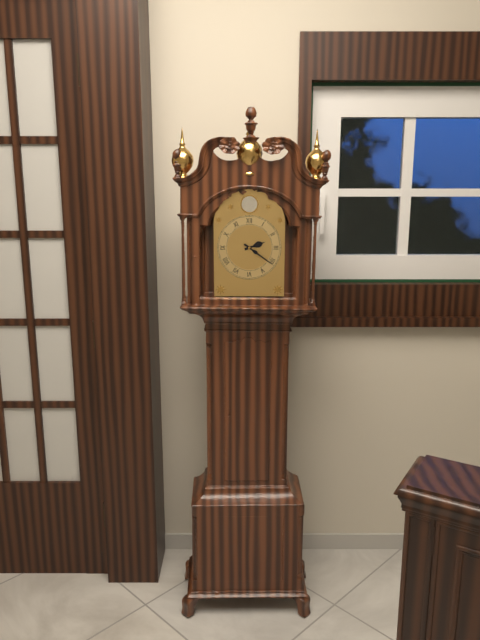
**2:21**
